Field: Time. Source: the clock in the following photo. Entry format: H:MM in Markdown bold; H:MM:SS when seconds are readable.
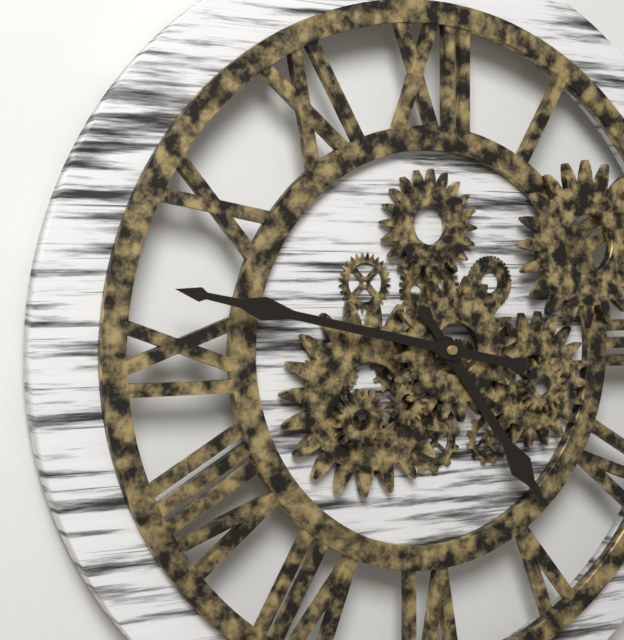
**4:47**
